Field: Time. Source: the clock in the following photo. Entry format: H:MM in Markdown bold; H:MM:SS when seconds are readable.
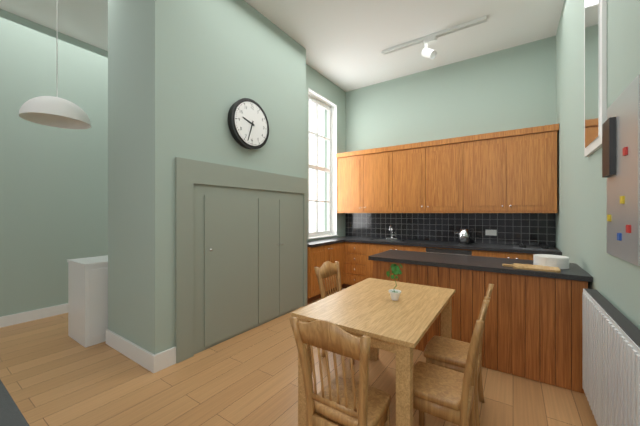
**9:33**
